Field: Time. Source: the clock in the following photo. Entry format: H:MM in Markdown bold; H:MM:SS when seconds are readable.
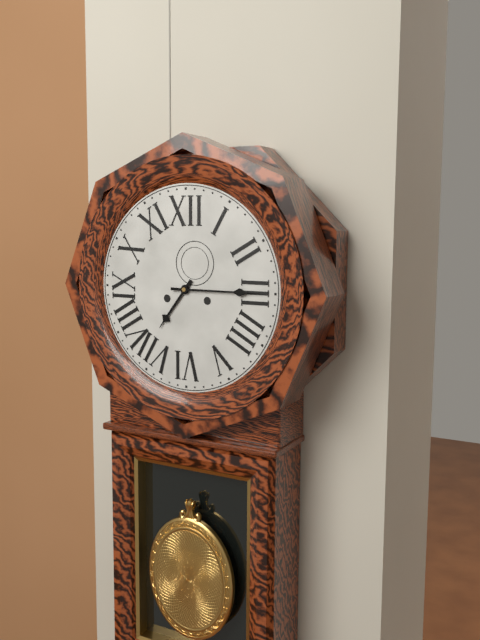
**7:15**
